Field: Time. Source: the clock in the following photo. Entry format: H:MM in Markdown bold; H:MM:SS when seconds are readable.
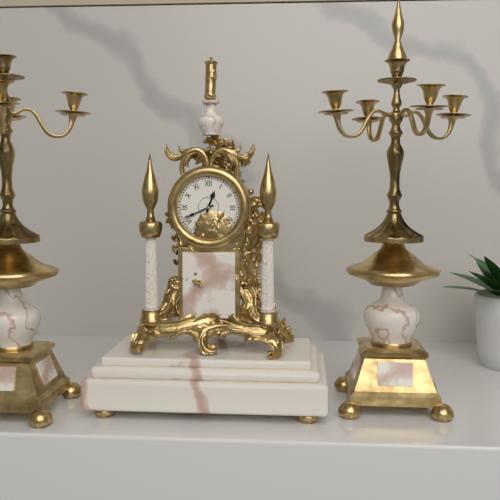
**12:41**
